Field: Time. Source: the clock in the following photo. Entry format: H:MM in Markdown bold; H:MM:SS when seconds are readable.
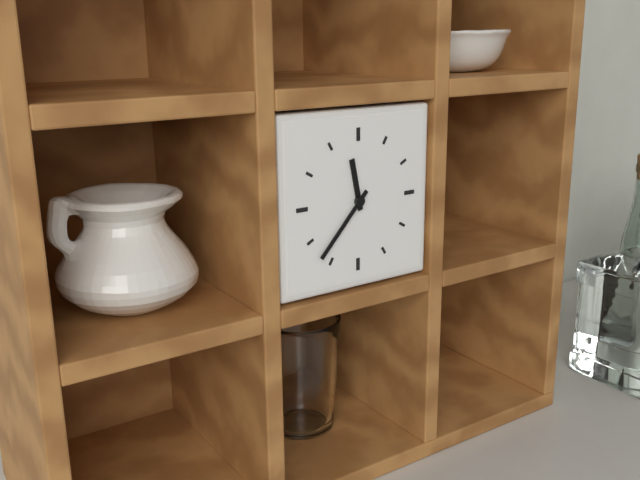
**11:37**
